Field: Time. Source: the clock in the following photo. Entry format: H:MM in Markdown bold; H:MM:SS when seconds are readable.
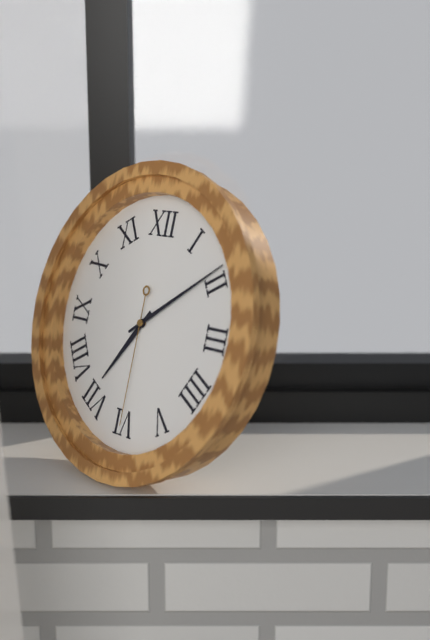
**7:09:30**
